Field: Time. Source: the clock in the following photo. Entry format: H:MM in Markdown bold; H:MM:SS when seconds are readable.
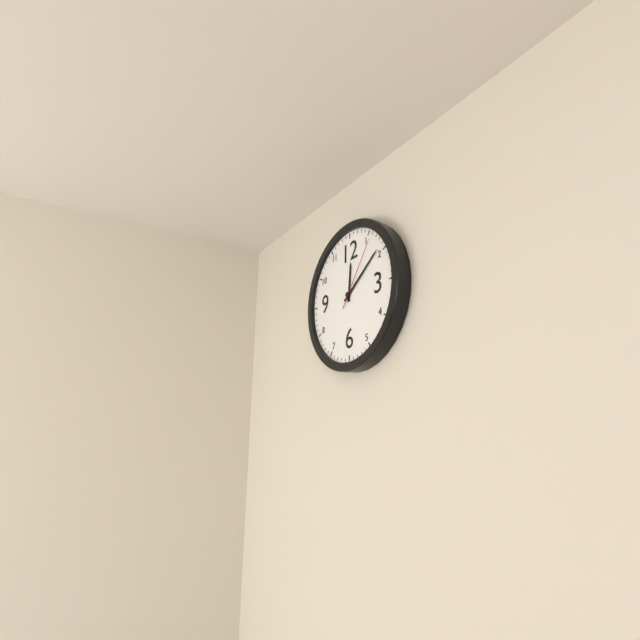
**12:09:06**
